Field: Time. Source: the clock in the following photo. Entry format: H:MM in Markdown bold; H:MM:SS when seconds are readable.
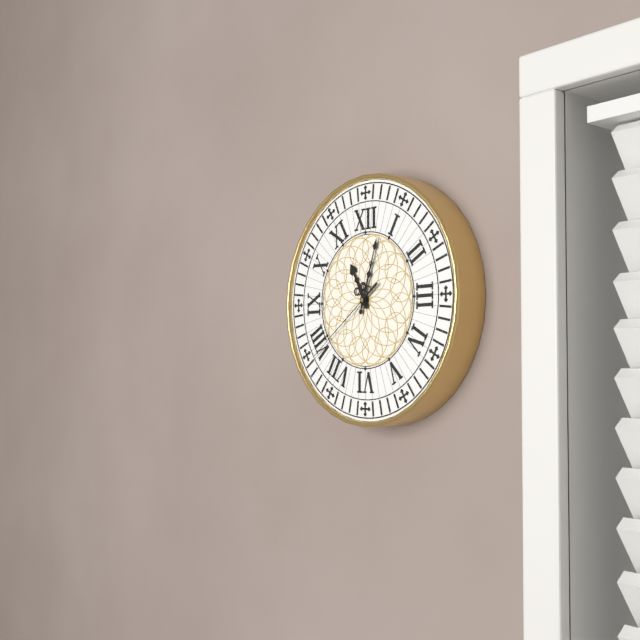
**11:03:39**
